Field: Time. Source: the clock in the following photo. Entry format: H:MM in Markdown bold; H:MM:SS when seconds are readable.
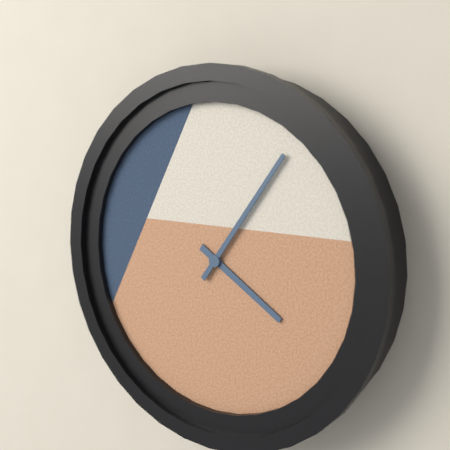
**4:06**
